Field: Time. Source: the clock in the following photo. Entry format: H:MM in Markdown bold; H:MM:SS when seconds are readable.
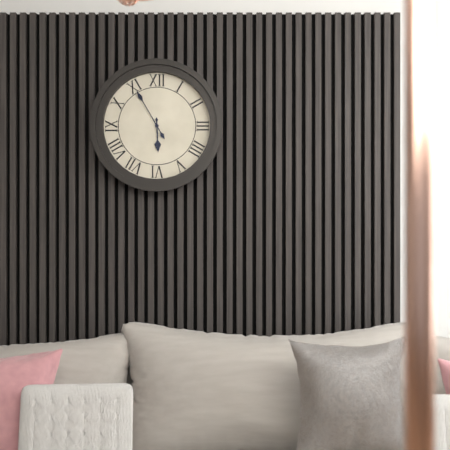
**5:55**
